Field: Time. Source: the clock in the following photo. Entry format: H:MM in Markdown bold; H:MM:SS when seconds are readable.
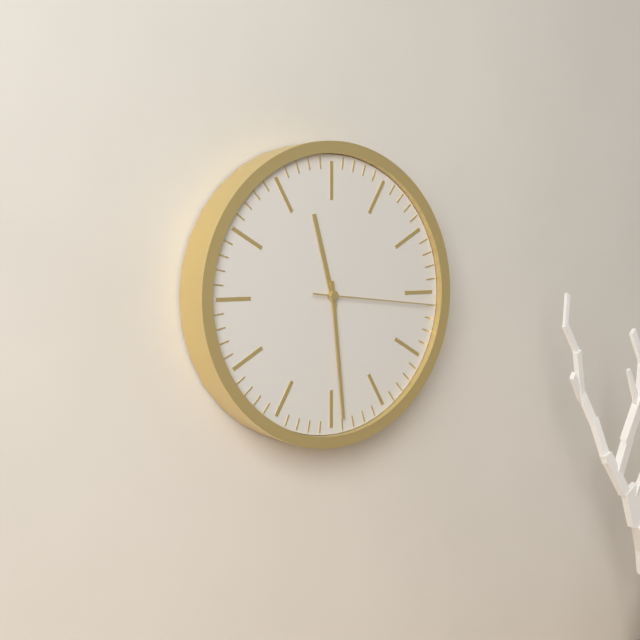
**11:29:16**
